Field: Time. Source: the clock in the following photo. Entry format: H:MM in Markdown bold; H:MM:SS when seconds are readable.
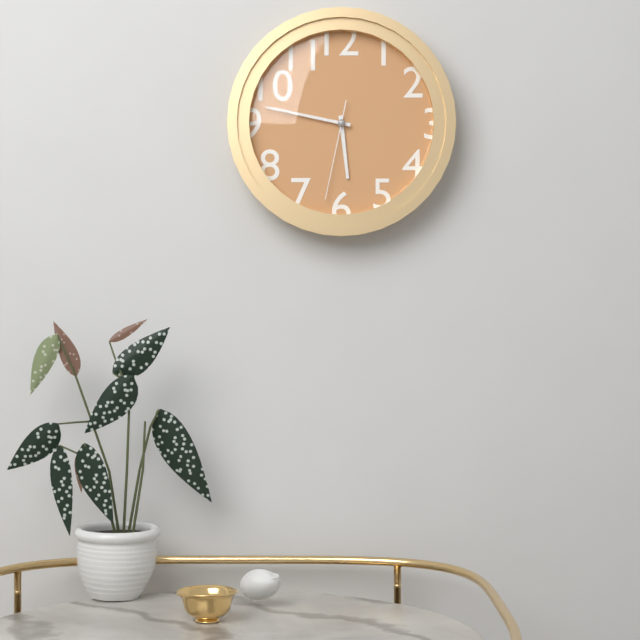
**5:47:32**
